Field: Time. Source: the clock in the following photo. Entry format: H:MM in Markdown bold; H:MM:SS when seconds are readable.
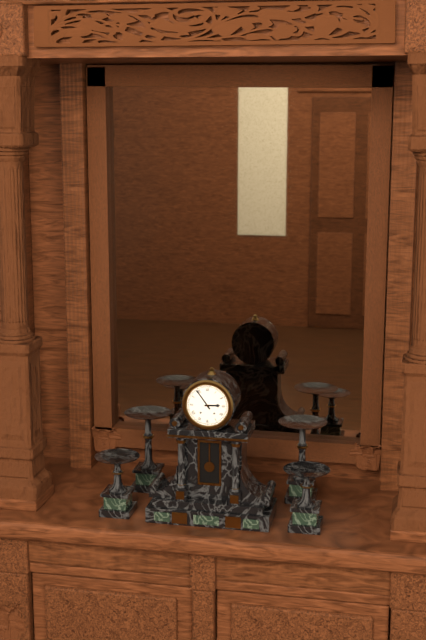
**2:54**
